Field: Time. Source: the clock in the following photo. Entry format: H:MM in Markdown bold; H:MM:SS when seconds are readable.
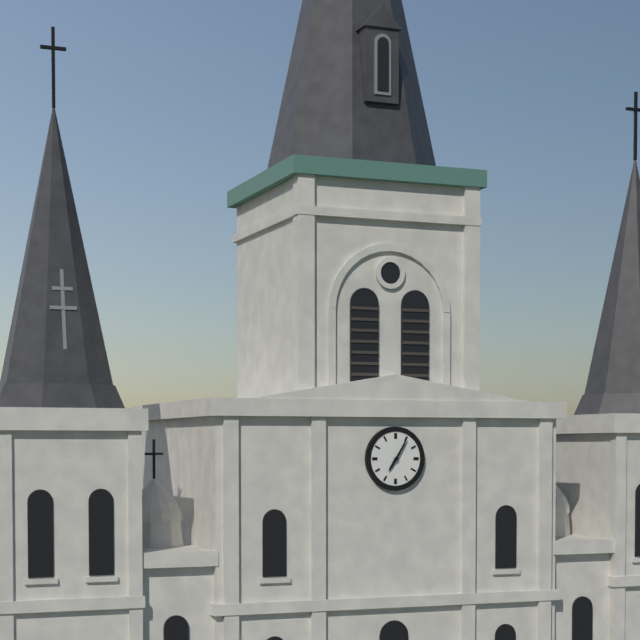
**7:05**
